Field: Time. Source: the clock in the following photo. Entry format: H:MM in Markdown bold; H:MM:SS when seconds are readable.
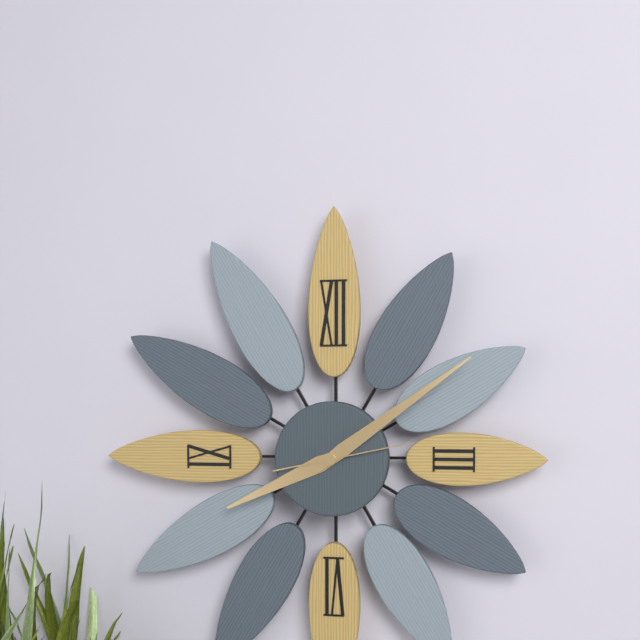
**8:09:13**
